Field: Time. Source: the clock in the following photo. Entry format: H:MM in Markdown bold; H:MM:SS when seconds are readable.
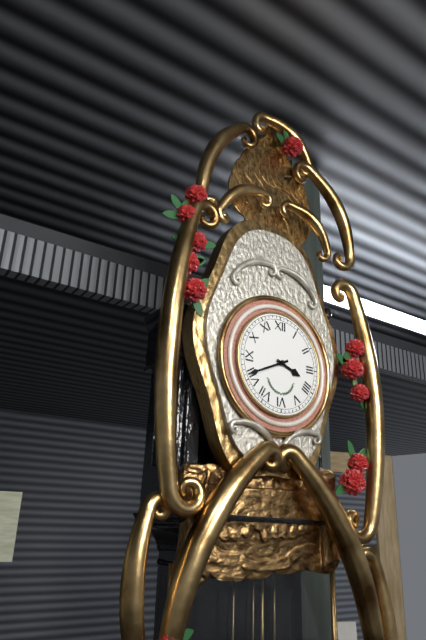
**3:41**
